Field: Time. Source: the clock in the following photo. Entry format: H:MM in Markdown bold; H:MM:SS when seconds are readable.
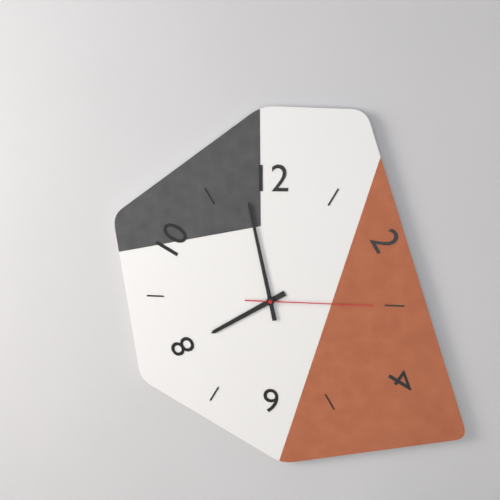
**7:58:15**
